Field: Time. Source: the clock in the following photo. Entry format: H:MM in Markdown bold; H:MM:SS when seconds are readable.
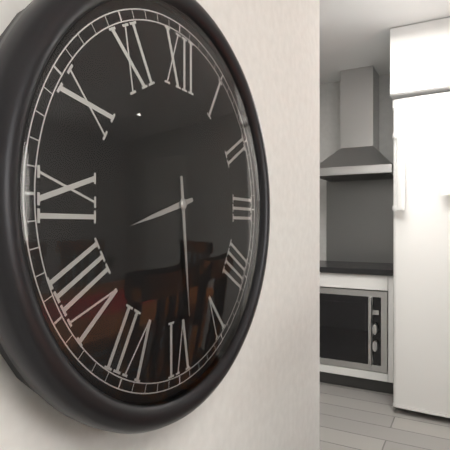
**8:29**
